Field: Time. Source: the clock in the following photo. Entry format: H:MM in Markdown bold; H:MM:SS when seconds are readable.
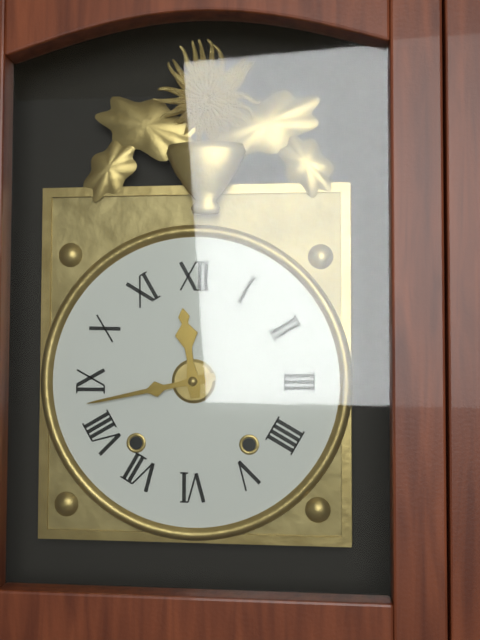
**11:43**
